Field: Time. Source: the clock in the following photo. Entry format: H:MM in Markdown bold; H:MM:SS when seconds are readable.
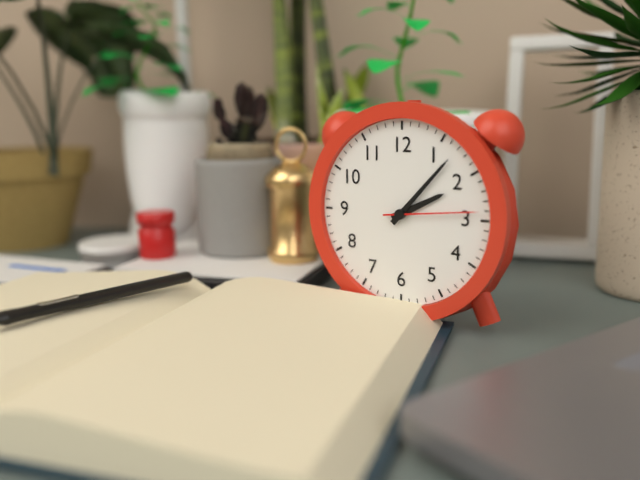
**2:07:14**
